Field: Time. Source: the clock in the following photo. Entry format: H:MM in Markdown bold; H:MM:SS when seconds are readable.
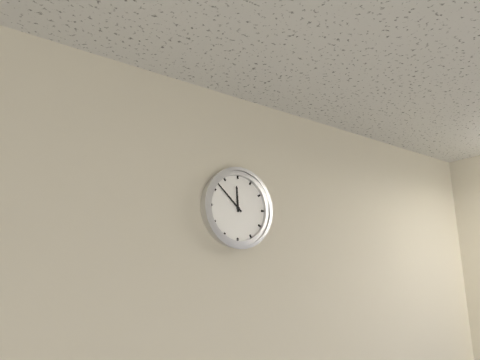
**11:52**
